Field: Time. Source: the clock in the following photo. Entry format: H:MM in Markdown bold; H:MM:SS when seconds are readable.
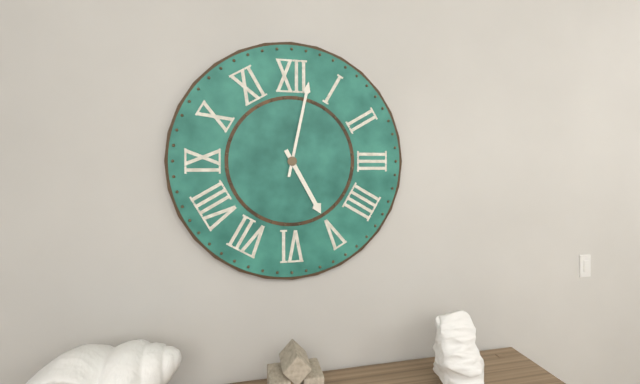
**5:02**
